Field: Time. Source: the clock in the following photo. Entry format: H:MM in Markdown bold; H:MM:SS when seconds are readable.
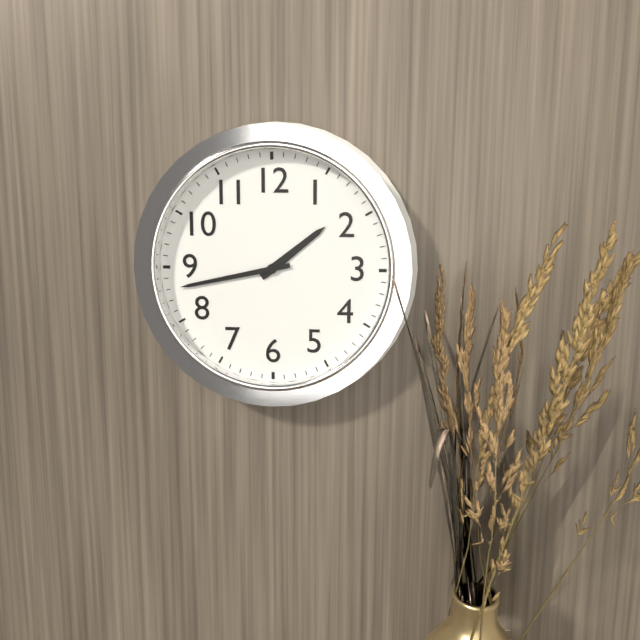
**1:43**
